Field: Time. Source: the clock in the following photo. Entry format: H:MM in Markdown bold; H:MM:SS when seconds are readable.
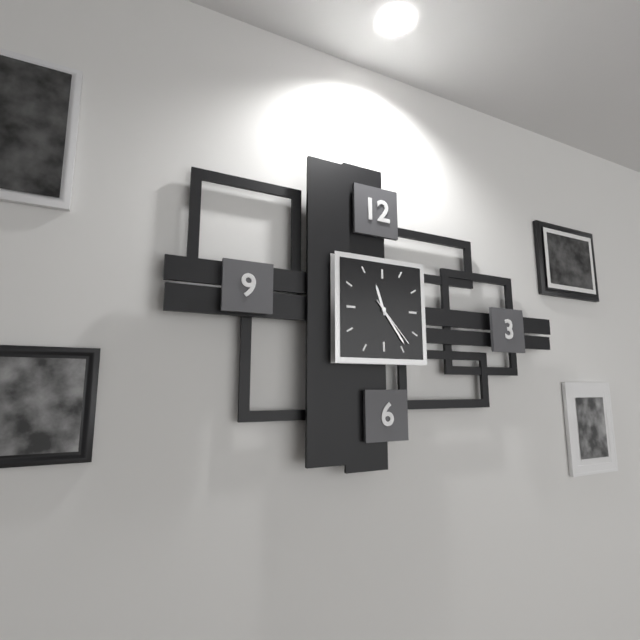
**11:24:23**
